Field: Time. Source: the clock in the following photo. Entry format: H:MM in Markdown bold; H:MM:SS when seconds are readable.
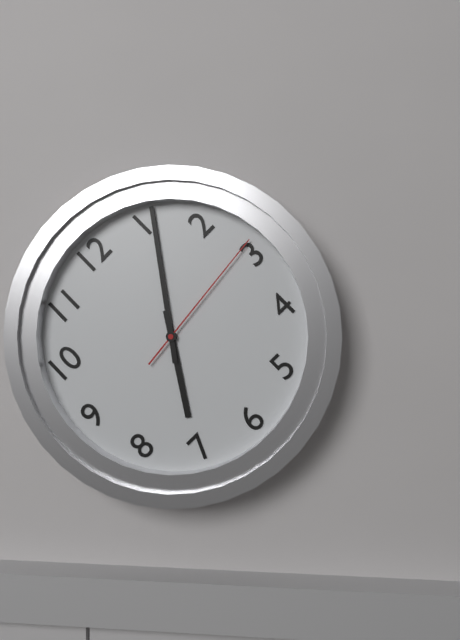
**7:06:14**
